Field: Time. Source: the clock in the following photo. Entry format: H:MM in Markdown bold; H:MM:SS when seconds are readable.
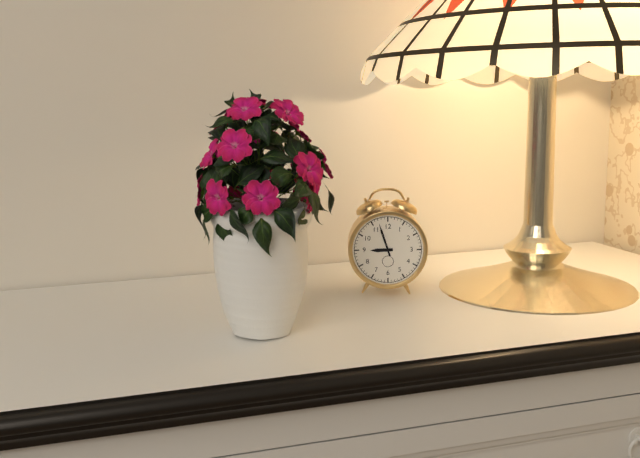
**8:57**
